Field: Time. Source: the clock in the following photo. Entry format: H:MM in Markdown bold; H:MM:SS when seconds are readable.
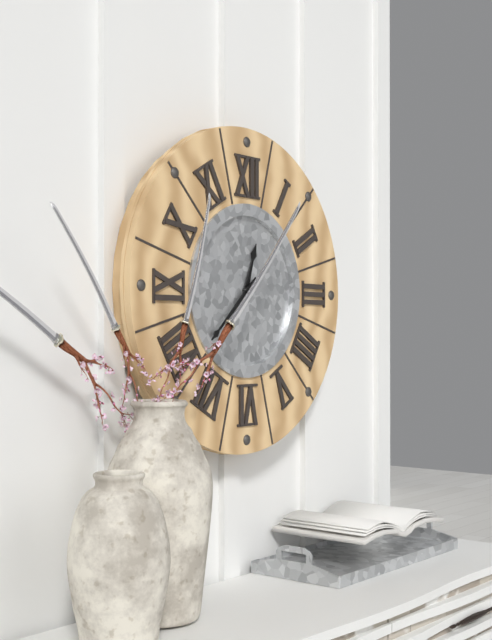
**12:38**
